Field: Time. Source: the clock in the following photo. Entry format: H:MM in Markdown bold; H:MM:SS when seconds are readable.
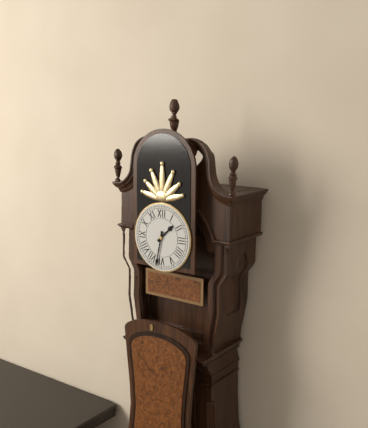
**1:32**
